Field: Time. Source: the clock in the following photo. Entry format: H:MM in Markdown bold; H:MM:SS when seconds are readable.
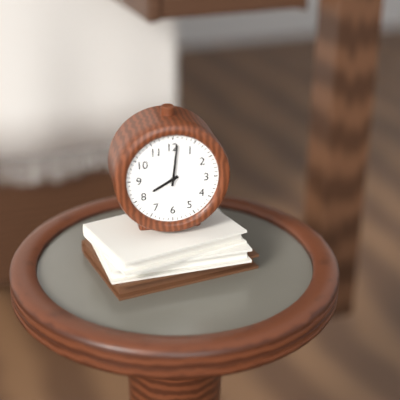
**8:01**
